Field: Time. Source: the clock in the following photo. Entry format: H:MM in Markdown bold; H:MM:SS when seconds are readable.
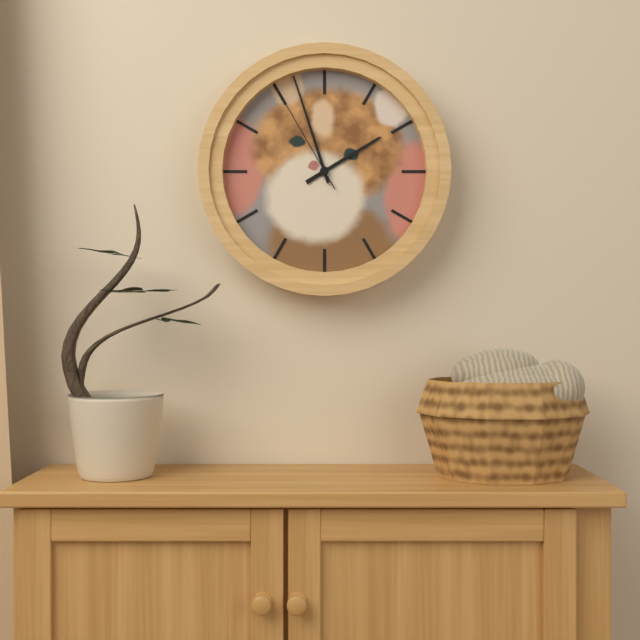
**1:57:55**
